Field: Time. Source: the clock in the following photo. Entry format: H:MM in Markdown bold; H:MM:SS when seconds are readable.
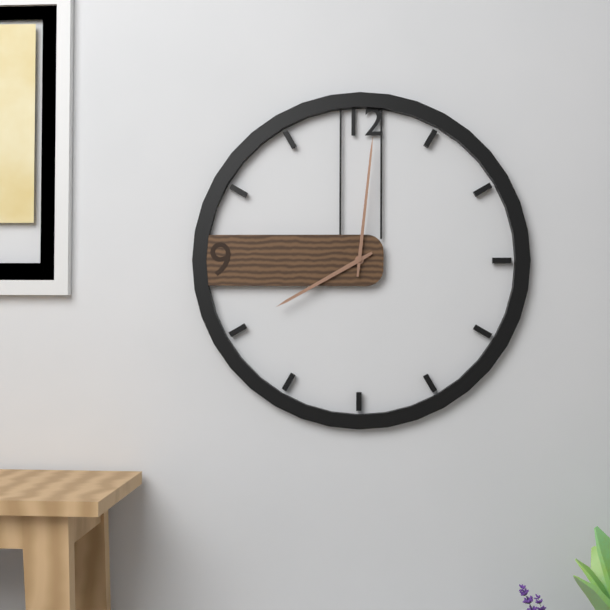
**8:01**
